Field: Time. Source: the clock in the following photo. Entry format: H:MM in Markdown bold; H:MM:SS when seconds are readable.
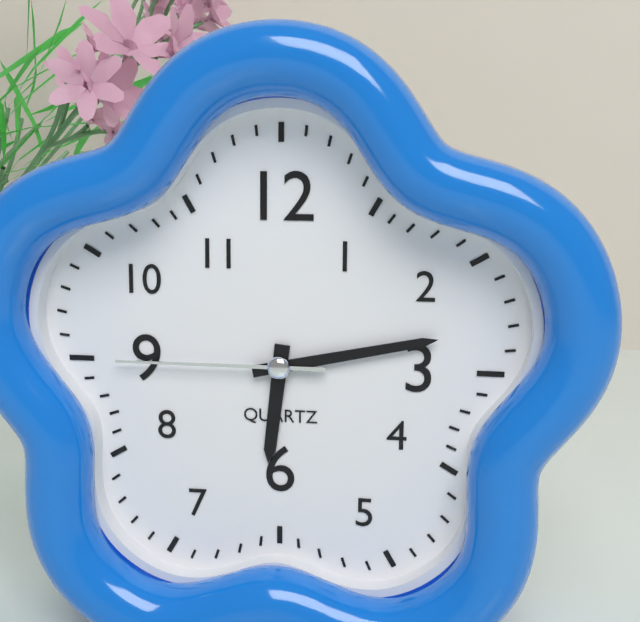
**6:13:45**
